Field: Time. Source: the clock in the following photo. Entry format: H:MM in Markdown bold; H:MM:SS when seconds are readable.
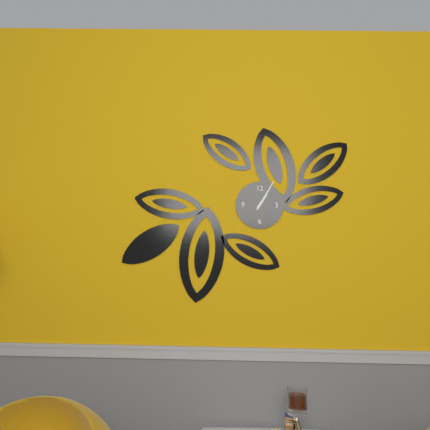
**1:05**
